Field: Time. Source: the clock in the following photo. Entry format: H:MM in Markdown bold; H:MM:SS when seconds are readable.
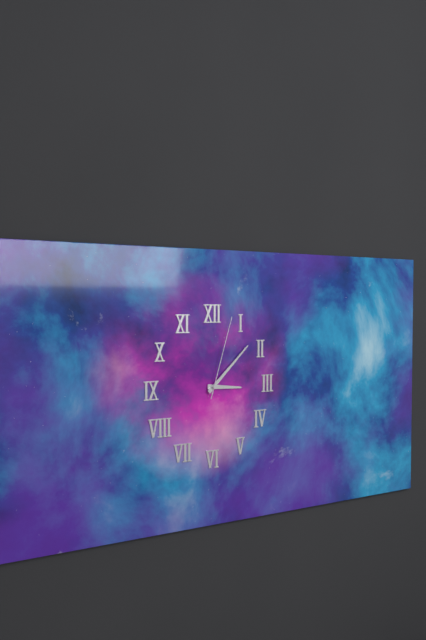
**3:08:03**
